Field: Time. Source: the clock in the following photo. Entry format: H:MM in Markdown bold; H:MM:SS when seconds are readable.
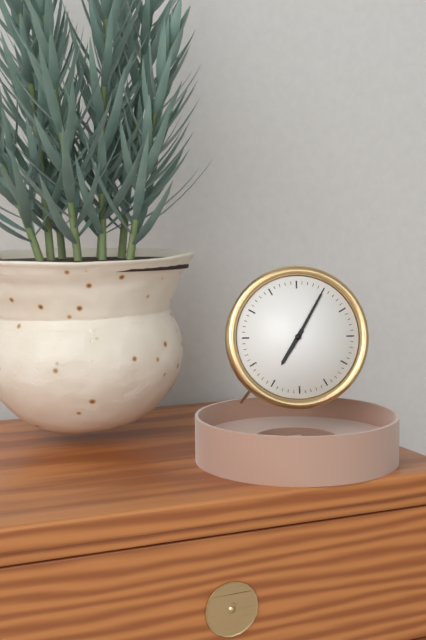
**7:05**
